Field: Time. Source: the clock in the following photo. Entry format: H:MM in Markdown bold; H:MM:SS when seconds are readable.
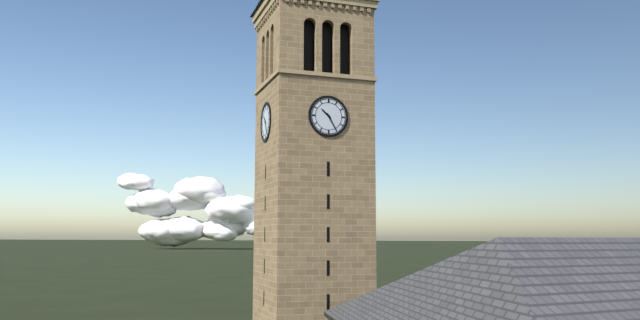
**10:25**
